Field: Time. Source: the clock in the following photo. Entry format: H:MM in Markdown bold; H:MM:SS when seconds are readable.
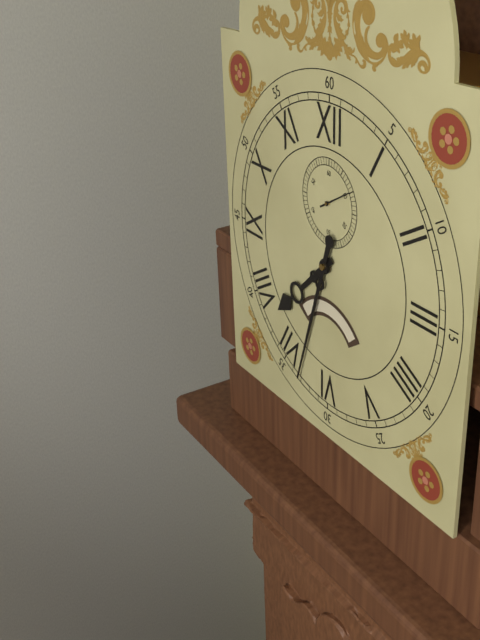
**7:33**
